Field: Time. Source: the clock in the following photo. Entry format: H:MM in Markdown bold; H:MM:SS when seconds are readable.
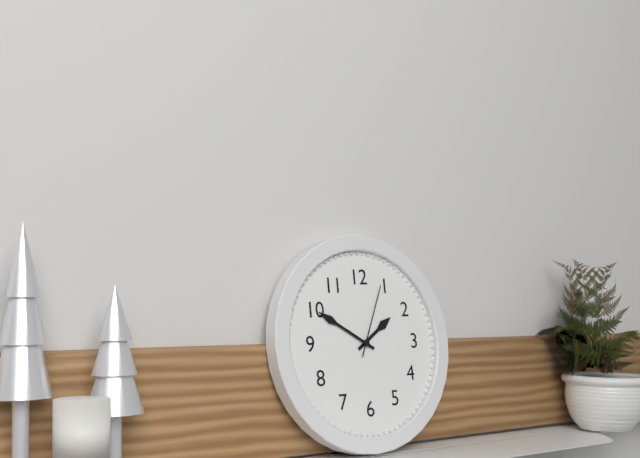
**1:50:04**
